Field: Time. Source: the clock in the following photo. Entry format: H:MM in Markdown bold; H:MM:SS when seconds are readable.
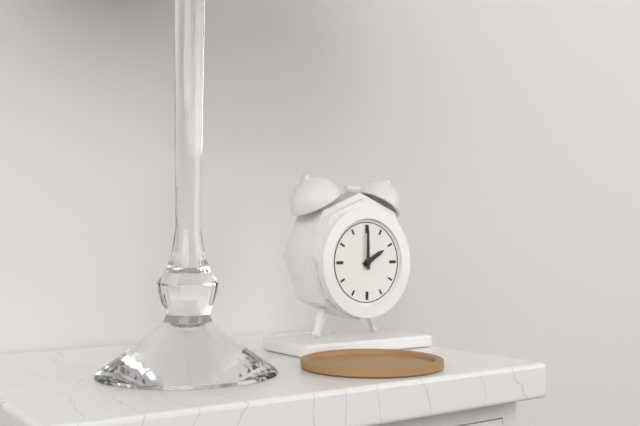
**2:00**
